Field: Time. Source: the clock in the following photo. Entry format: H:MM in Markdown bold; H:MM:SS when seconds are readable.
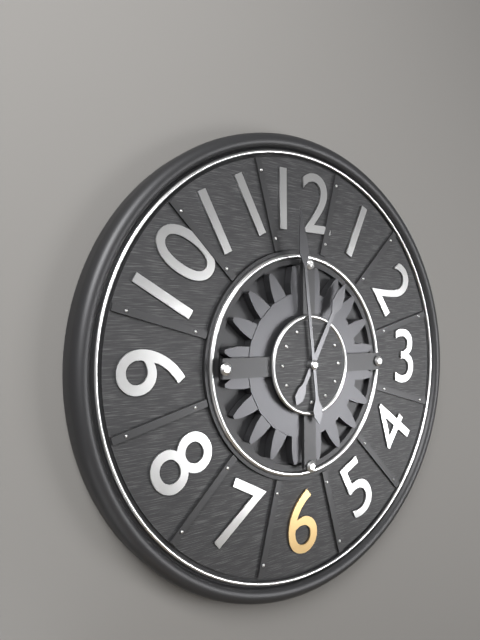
**12:59**
